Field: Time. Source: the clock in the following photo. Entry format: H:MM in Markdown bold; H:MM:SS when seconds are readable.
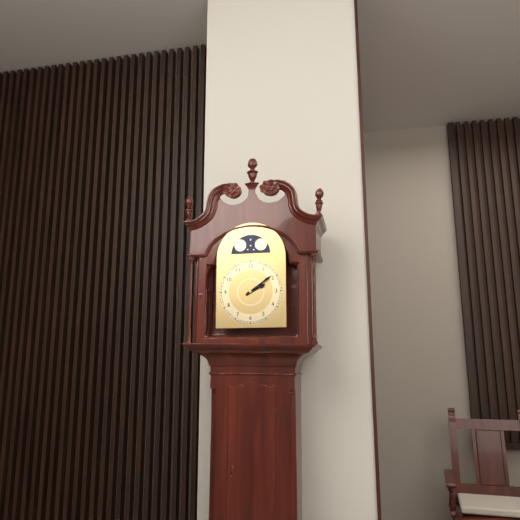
**2:09**
